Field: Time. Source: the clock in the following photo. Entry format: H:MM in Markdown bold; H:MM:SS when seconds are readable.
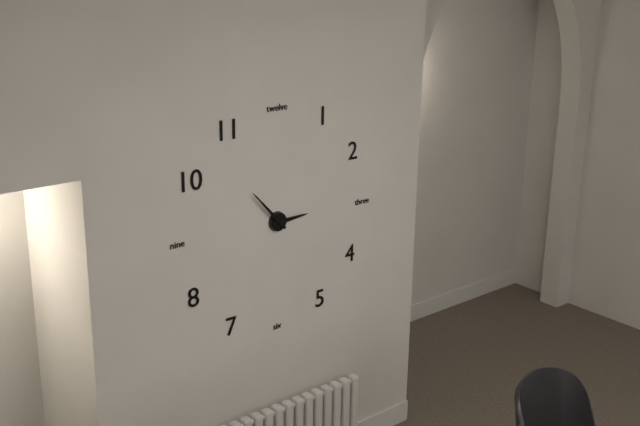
**2:53**
